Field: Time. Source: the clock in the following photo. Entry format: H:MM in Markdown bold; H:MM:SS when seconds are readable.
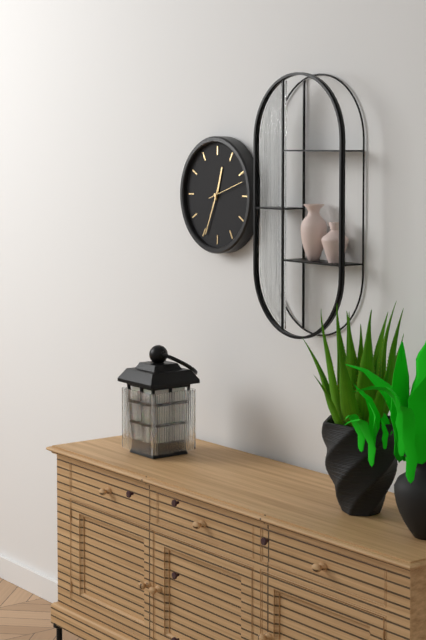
**12:34**
